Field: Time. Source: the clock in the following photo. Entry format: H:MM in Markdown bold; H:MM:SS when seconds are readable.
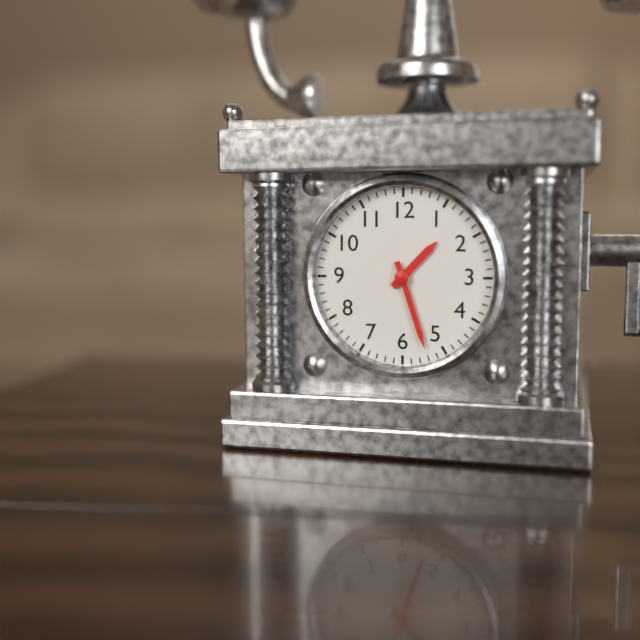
**1:27**
